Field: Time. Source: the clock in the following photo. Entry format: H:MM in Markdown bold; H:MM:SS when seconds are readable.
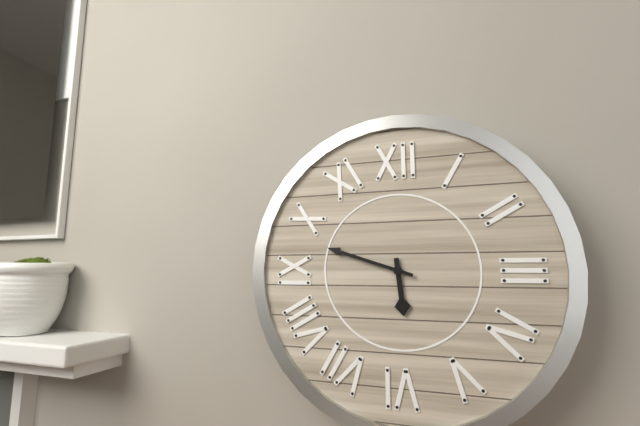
**5:48**
